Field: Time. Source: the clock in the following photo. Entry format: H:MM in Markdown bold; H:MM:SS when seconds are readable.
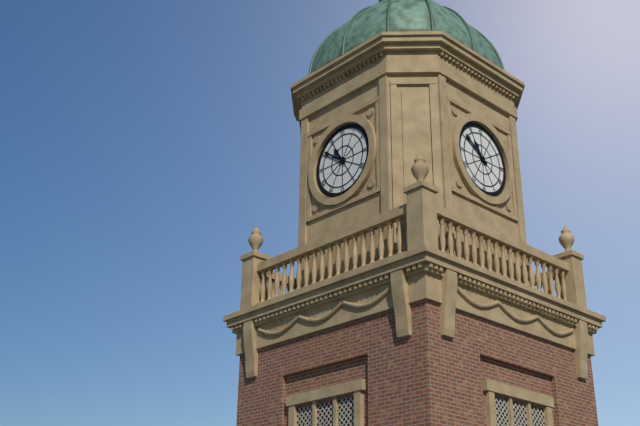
**10:51**
